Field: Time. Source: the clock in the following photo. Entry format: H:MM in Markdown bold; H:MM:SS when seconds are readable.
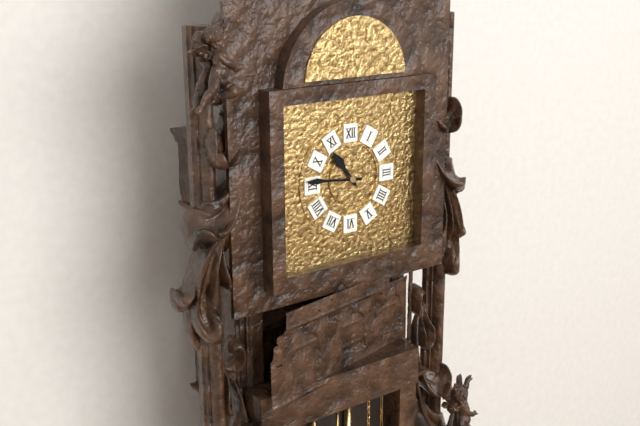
**10:46**
